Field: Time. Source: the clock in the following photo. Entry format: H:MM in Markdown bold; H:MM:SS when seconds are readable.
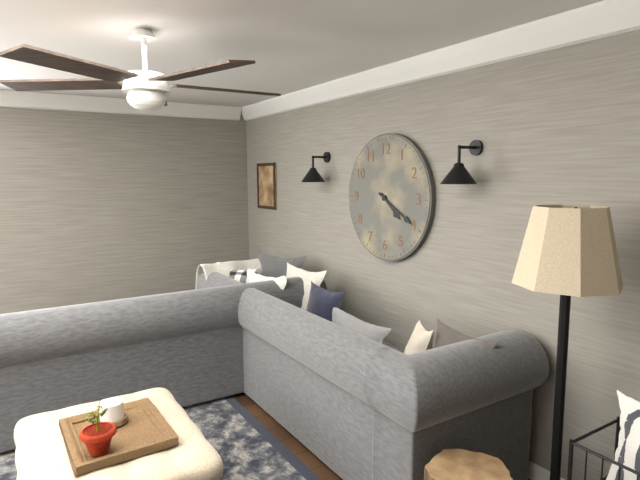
**4:20**
